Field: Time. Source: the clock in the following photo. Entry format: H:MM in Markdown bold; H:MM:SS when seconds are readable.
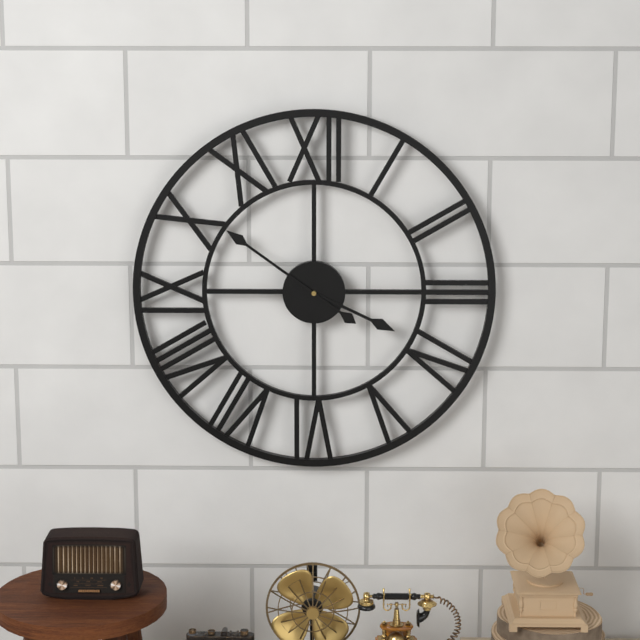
**3:51**
